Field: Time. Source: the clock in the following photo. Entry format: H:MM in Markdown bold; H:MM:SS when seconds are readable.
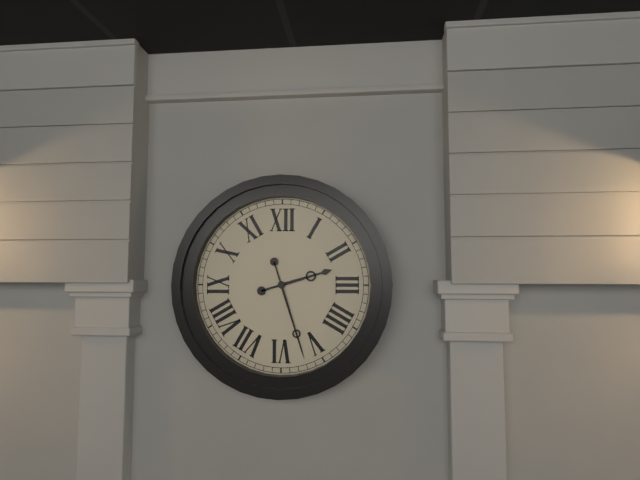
**2:27**
